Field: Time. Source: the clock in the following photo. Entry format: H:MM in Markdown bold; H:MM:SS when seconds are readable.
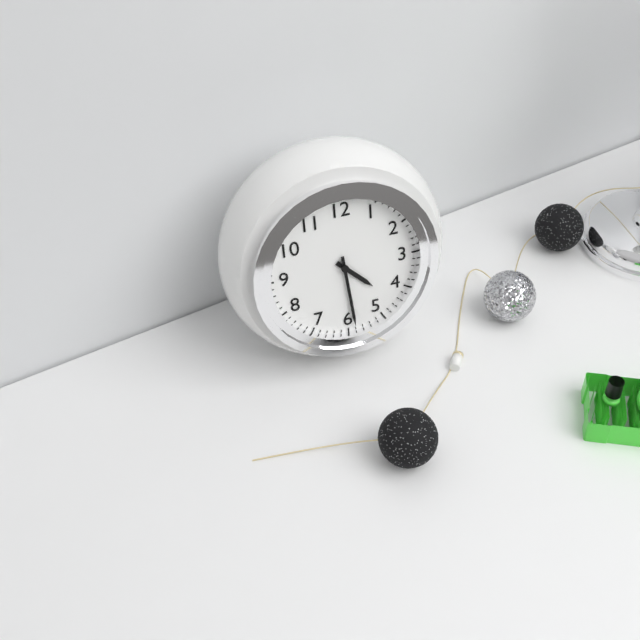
**4:29**
